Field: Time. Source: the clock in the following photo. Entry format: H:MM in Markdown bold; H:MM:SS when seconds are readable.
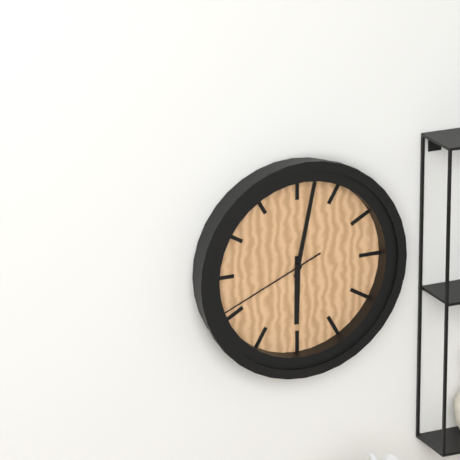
**6:02:41**
